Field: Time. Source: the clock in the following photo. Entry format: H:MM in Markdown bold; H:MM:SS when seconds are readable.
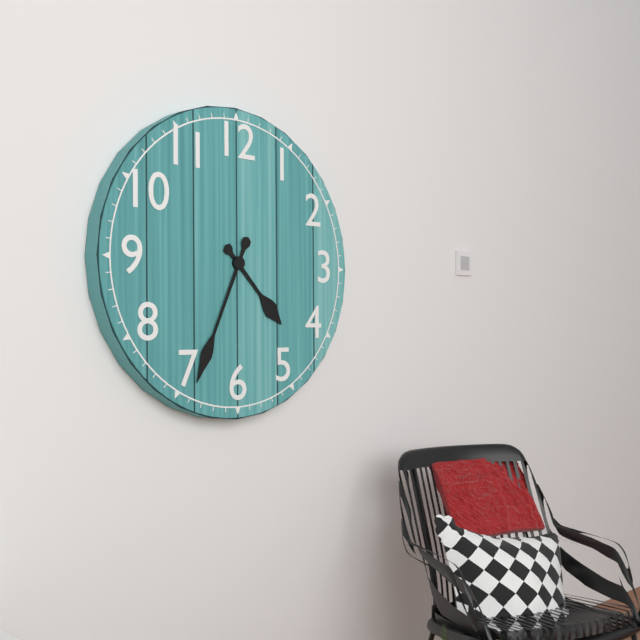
**4:34**
